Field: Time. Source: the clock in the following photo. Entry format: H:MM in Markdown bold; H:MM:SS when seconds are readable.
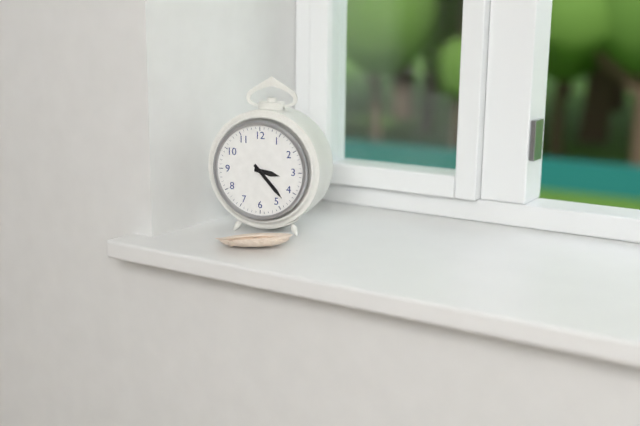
**3:23**
